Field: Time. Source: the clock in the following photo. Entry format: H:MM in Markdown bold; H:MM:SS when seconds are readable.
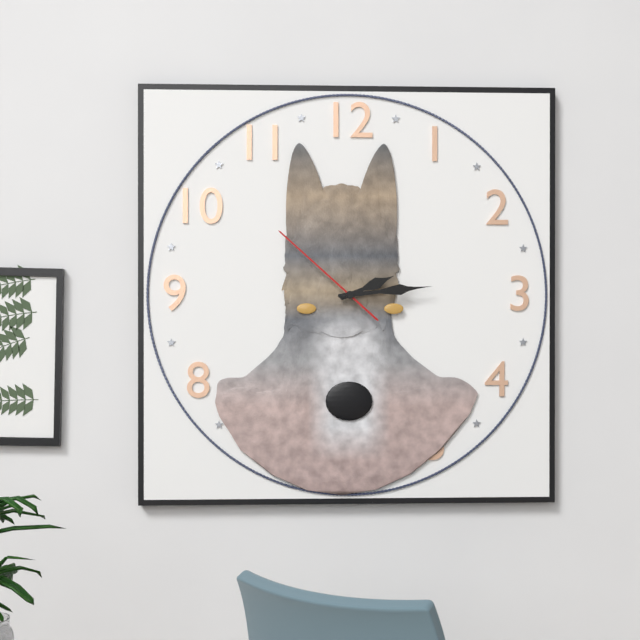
**2:14:52**
